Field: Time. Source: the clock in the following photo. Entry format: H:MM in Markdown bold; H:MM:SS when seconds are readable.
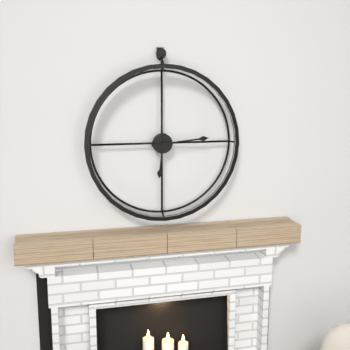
**6:14**
